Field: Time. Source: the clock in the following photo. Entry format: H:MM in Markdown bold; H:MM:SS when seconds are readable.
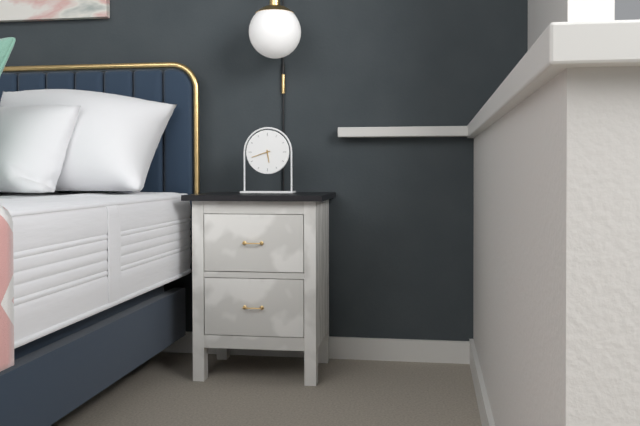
**5:42**
